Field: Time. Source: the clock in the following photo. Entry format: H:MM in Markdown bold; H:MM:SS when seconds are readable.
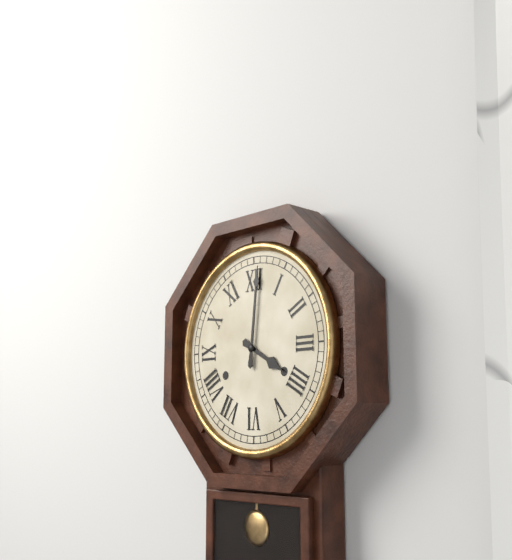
**4:01**
